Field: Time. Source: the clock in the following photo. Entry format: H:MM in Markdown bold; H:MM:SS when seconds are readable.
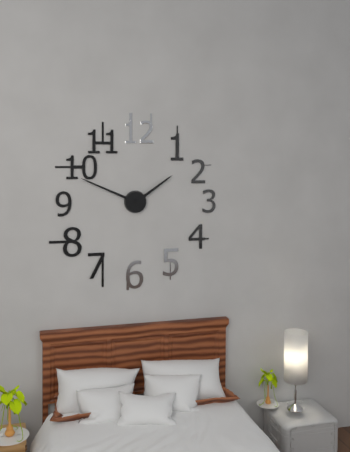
**1:49**
